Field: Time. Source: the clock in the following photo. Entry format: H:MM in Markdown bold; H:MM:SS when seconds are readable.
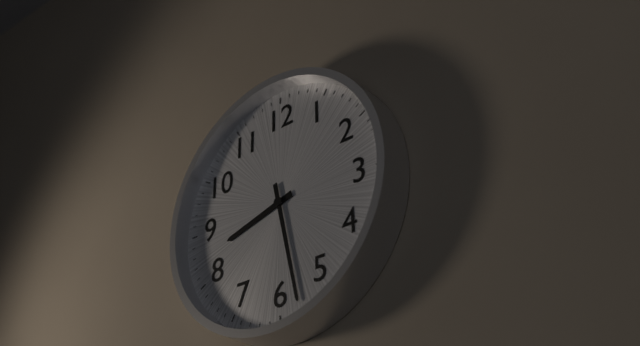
**8:28**
